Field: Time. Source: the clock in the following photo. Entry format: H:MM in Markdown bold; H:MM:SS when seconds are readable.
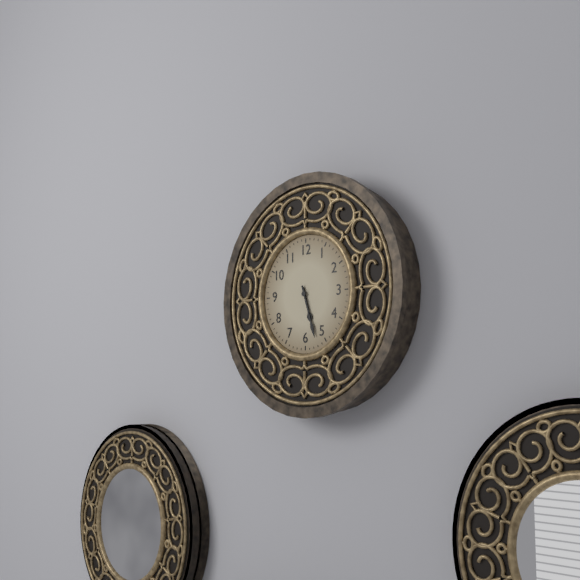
**5:27**
